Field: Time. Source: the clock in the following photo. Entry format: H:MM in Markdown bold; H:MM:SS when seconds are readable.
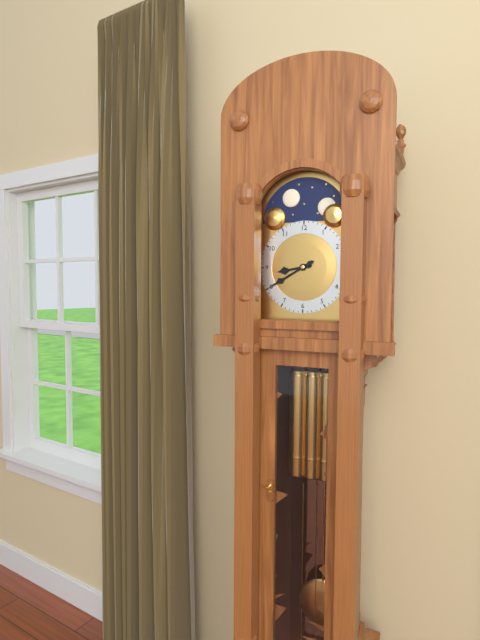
**8:40**
